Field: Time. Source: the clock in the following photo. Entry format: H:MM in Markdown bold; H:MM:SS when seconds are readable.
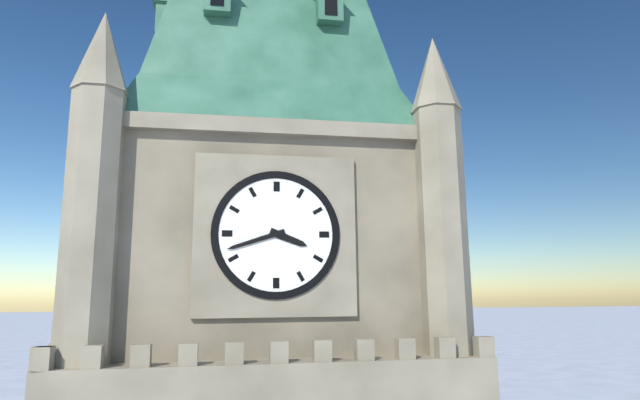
**3:42**
